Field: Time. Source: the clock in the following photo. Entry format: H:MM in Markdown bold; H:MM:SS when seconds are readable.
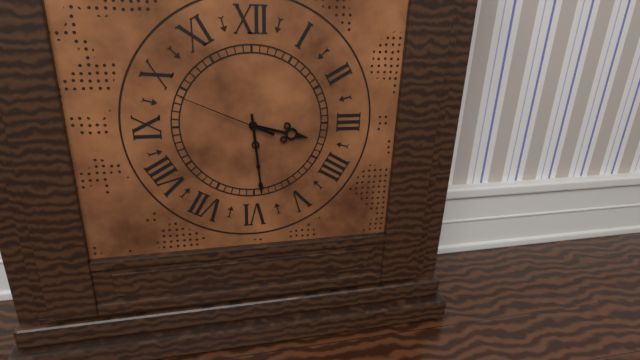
**3:29:49**
